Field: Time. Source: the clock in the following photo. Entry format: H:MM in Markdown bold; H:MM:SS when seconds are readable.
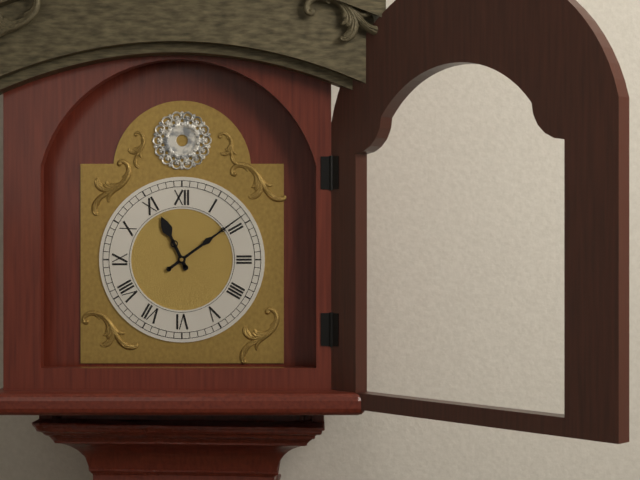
**11:09**
